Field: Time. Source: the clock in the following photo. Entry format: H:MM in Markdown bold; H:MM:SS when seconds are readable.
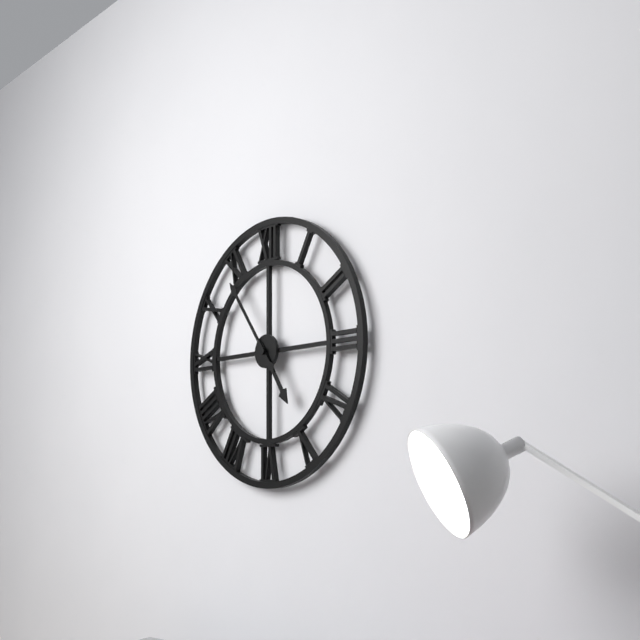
**4:54**
